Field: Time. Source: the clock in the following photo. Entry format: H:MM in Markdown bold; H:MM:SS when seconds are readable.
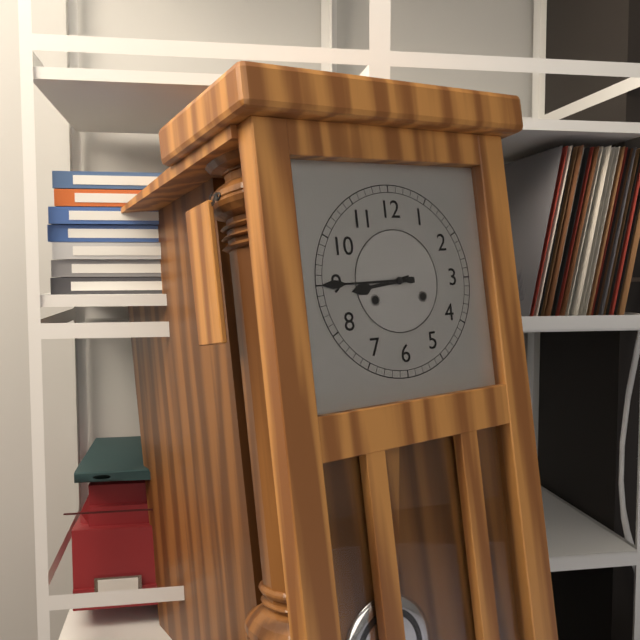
**8:45**
